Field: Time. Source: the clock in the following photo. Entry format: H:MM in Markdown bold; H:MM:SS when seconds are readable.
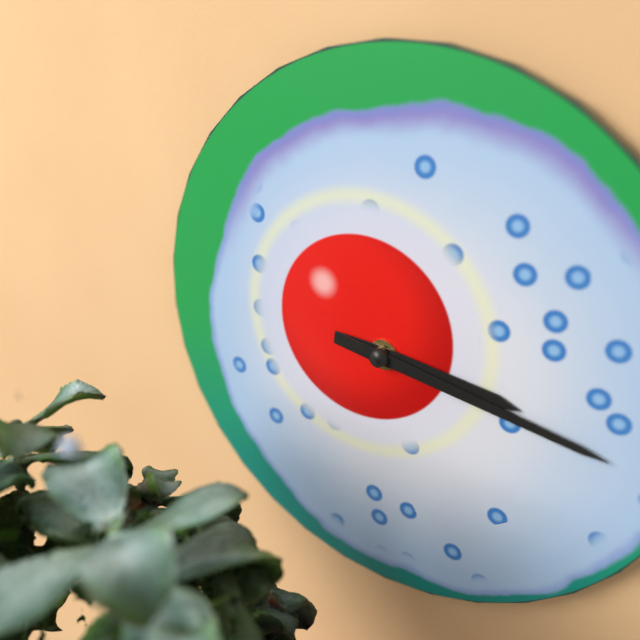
**3:17**
